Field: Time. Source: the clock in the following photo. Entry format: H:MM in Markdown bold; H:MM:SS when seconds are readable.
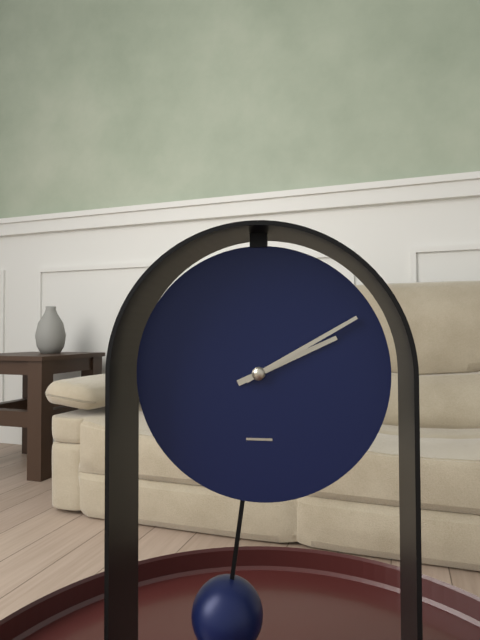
**2:10**
